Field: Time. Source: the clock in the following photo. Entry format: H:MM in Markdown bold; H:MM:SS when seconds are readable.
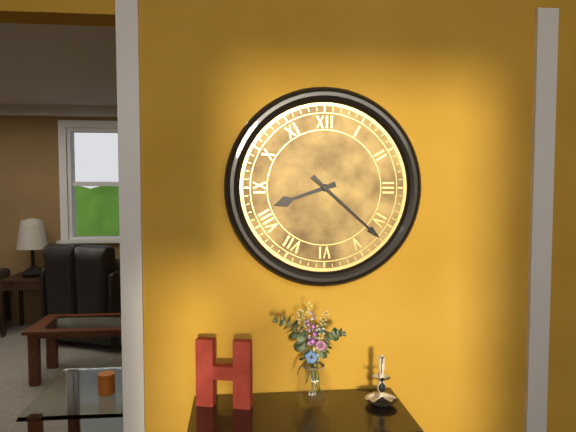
**8:22**
